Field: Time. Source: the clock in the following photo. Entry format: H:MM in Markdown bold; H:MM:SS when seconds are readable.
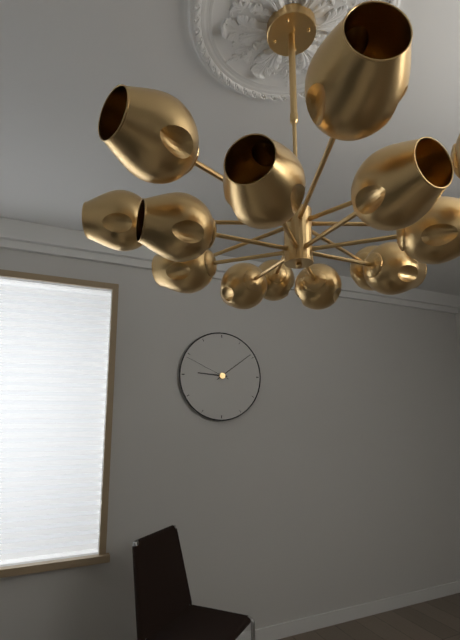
**9:09:49**
